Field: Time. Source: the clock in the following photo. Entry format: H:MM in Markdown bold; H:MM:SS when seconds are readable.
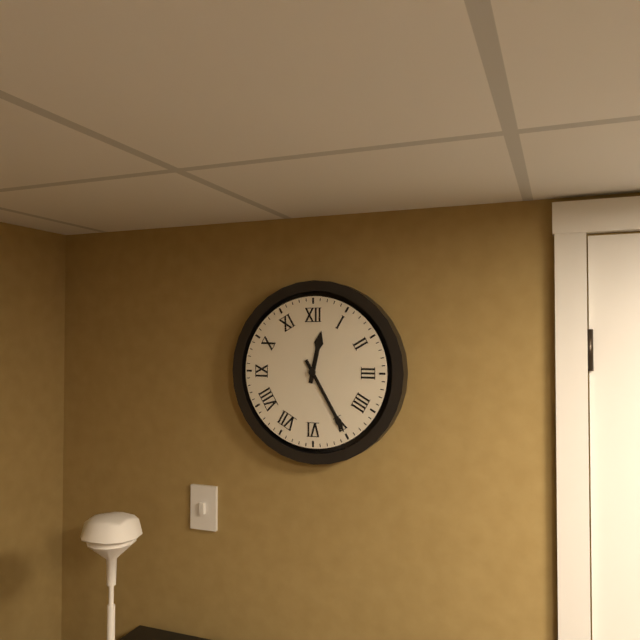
**12:25**
